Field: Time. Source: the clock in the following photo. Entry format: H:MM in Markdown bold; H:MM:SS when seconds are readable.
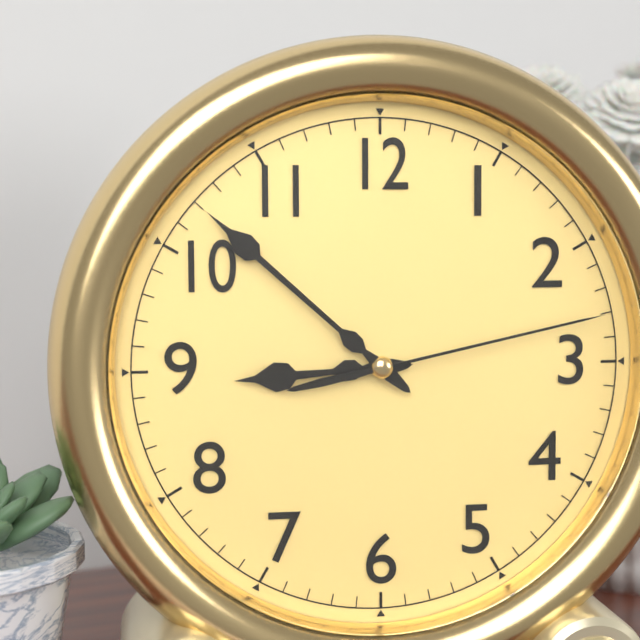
**8:52:13**
